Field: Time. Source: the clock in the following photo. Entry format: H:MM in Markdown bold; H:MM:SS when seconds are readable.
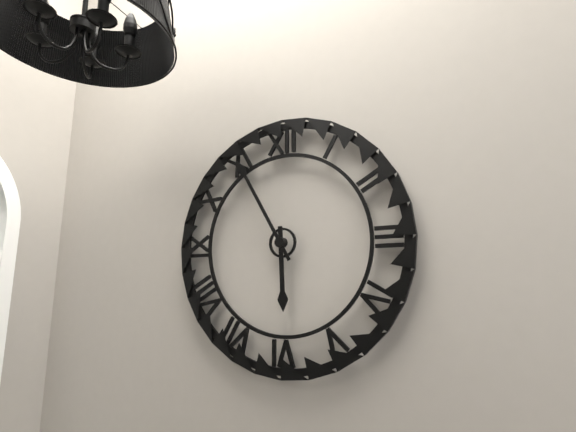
**5:55**
